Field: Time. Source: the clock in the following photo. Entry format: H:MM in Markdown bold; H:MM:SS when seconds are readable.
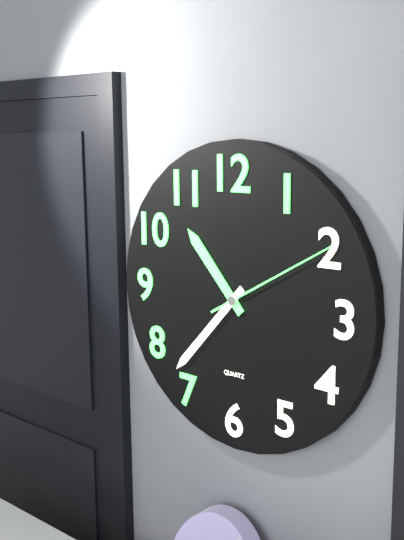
**10:37:10**
